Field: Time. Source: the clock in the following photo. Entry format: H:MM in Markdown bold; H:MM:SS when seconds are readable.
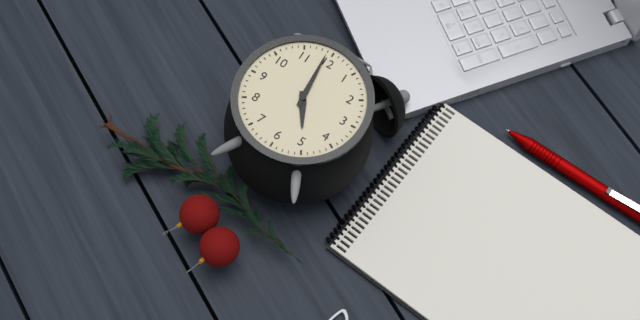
**4:59**
